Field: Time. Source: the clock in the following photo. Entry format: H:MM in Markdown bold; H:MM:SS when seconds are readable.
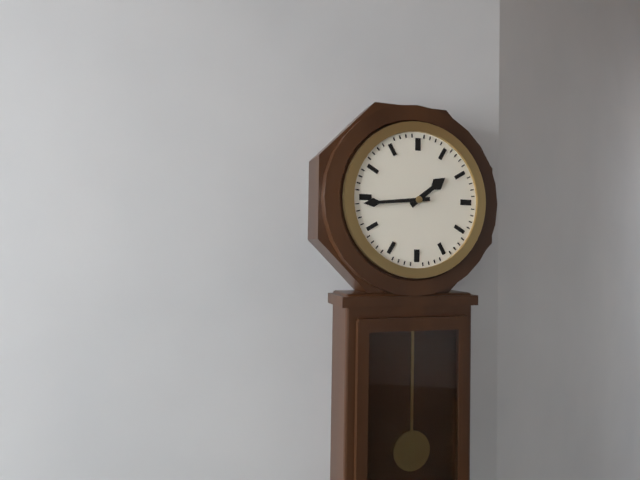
**1:44**
